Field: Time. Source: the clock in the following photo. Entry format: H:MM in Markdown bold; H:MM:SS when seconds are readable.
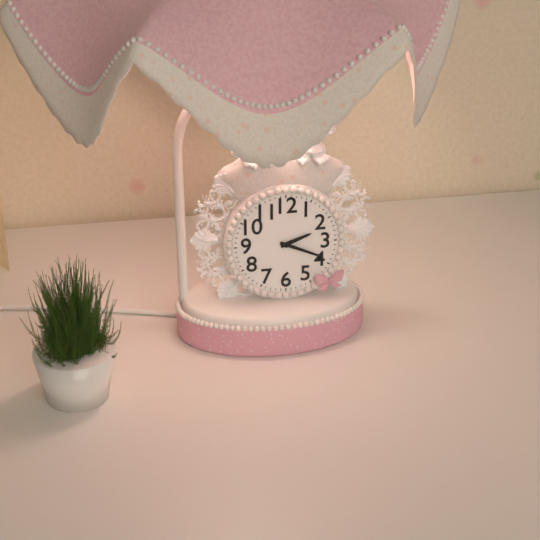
**2:19**
